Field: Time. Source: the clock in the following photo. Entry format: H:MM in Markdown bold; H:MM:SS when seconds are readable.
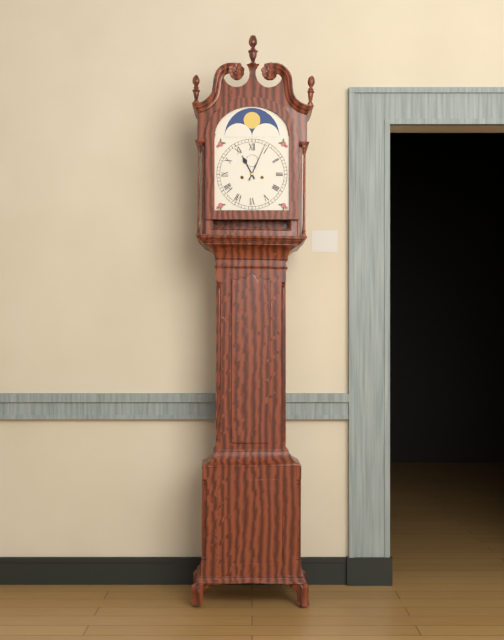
**11:04**
